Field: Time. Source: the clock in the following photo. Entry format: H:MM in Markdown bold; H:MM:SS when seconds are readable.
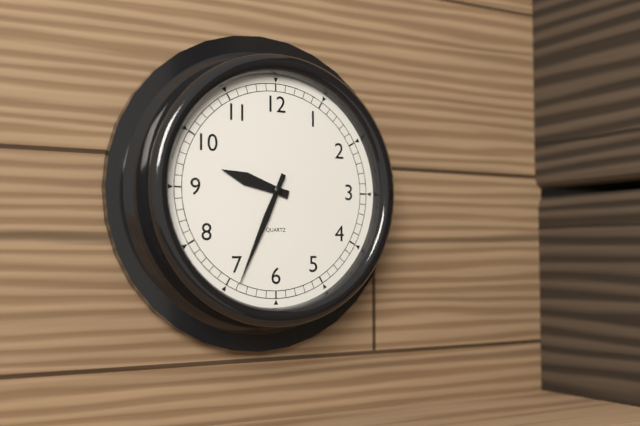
**9:34**
